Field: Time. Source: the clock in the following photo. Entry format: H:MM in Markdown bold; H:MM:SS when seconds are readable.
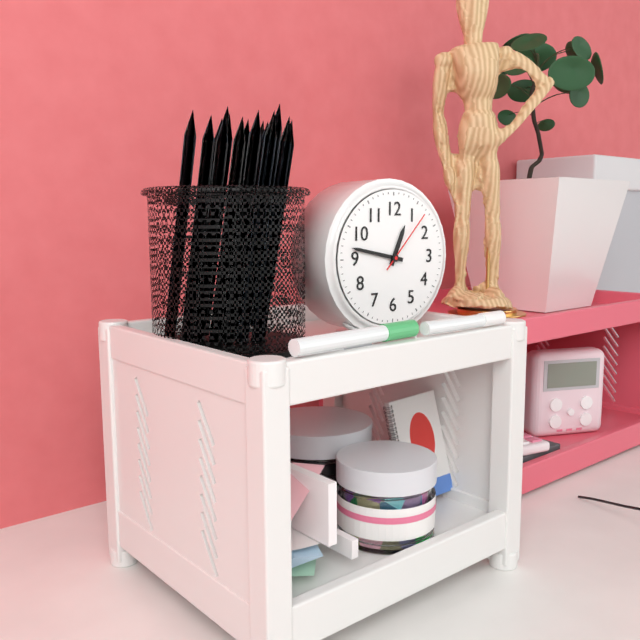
**12:47:07**
